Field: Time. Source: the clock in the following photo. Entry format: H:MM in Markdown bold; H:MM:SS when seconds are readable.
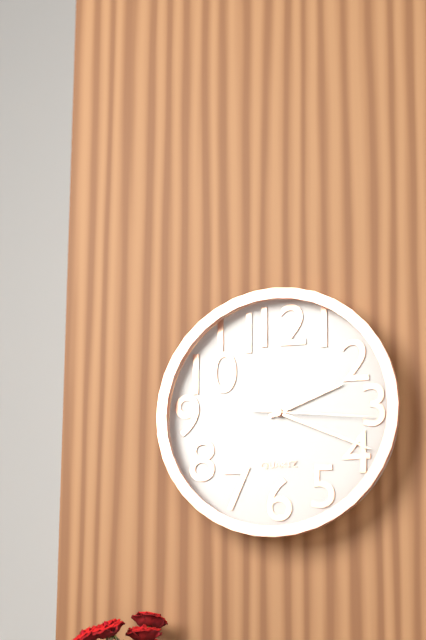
**2:19:16**
